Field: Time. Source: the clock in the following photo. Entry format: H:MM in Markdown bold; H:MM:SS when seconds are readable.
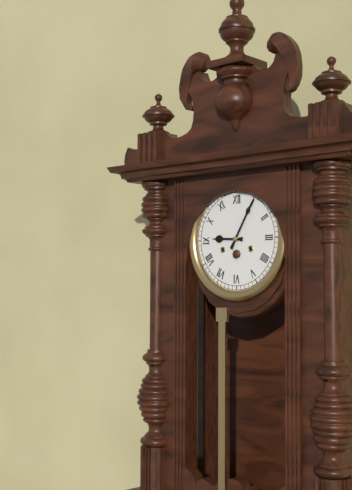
**9:05**
